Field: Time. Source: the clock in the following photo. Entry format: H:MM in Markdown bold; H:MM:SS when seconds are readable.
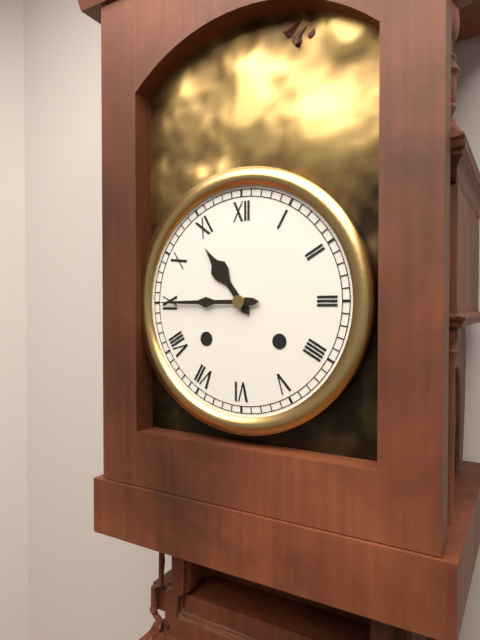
**10:45**
